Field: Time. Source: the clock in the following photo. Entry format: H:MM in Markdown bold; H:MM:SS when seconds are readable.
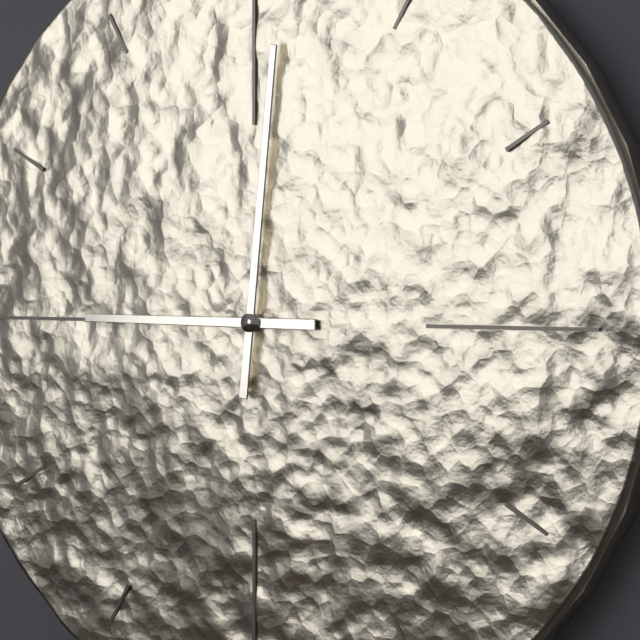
**9:01**
